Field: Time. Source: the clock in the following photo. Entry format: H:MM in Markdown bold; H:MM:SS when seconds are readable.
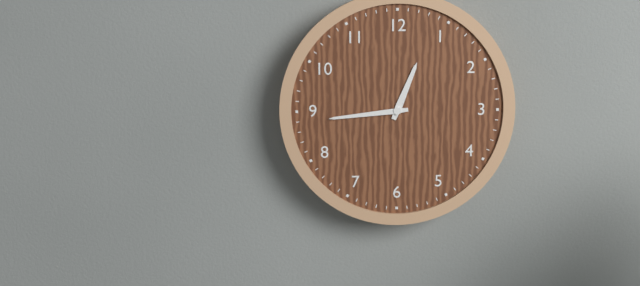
**12:44**
